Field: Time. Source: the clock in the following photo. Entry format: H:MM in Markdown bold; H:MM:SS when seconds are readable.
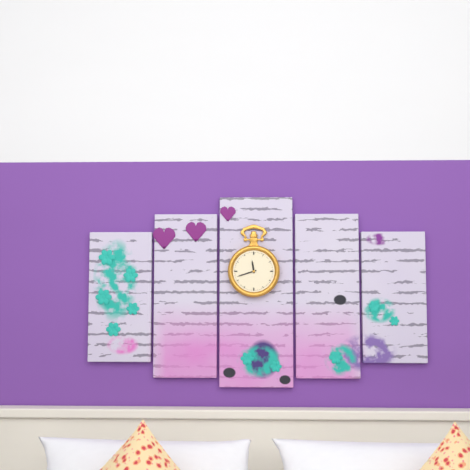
**11:42**
